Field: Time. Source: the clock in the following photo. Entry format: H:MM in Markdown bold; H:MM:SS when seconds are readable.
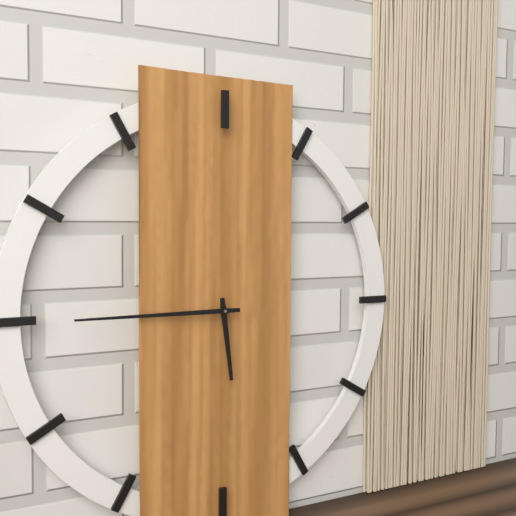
**5:45**
